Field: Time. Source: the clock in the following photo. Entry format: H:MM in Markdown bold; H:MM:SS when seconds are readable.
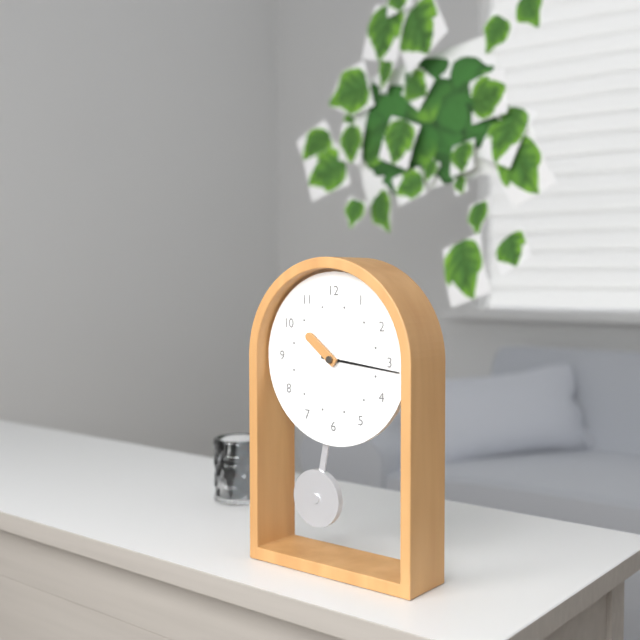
**10:16**
